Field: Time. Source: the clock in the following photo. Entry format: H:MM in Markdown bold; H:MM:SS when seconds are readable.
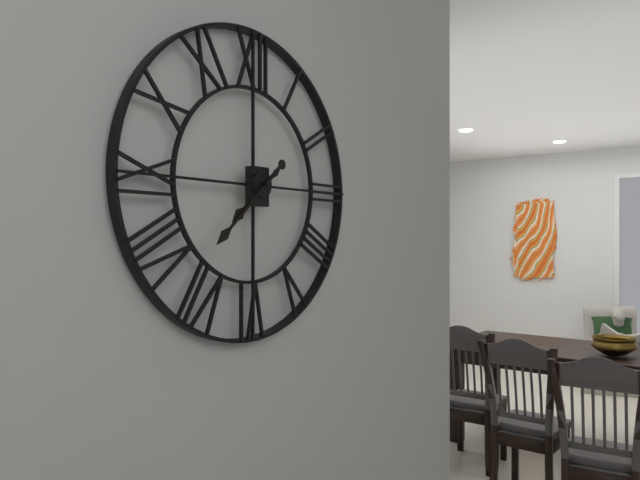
**7:38**
